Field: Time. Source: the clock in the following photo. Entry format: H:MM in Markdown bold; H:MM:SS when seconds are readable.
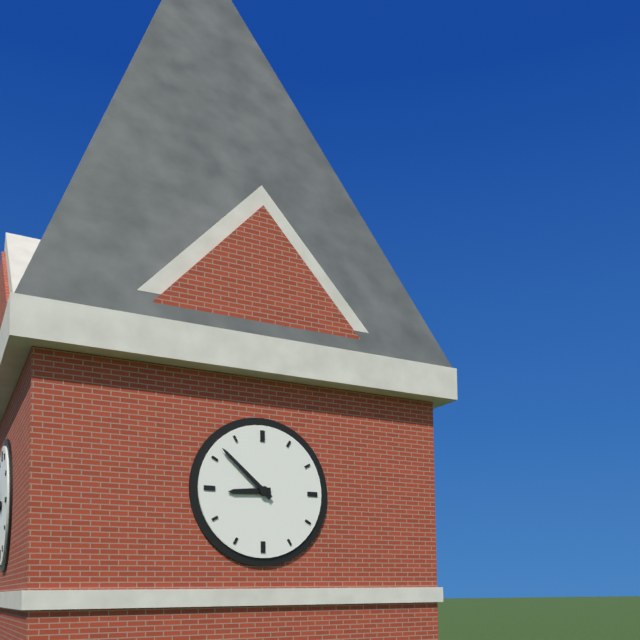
**8:52**
